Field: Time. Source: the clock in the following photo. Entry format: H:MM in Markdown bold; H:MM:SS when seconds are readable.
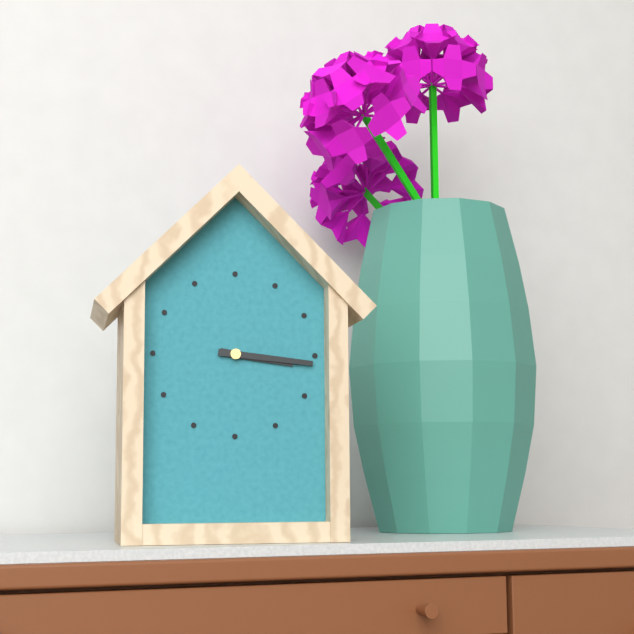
**3:16**
